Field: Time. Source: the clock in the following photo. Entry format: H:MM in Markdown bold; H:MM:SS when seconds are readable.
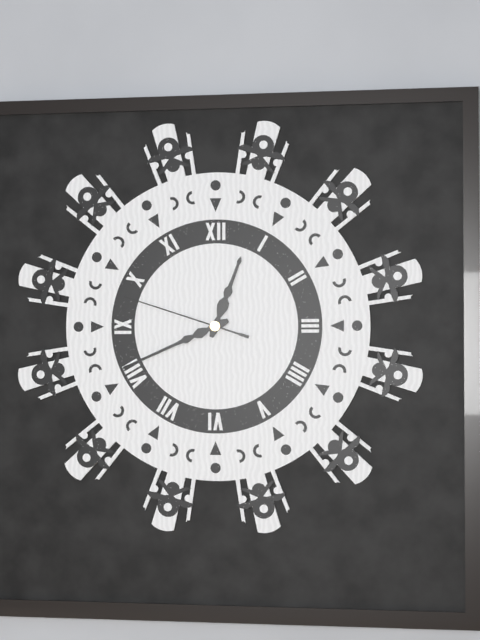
**12:41:48**
